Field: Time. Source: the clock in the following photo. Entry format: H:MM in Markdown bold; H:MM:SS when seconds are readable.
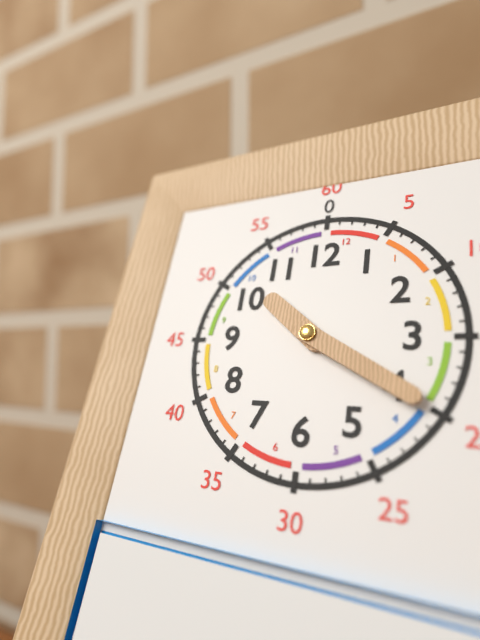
**10:20**
